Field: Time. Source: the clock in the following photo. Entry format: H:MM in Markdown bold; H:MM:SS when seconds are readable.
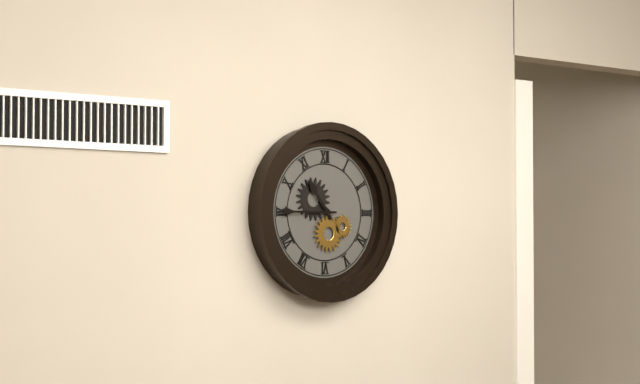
**10:45**
